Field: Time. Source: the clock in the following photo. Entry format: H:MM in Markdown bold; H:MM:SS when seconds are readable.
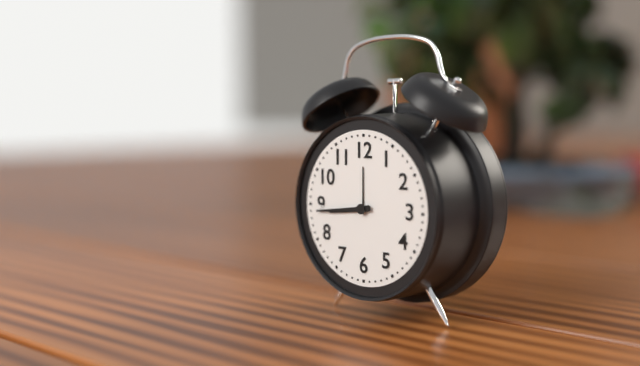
**8:44**
